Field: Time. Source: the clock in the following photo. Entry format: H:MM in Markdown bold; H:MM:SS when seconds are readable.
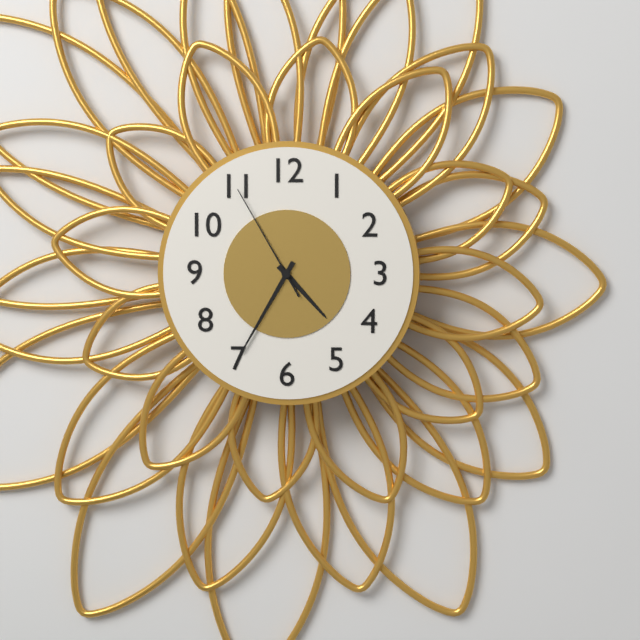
**4:35:55**
